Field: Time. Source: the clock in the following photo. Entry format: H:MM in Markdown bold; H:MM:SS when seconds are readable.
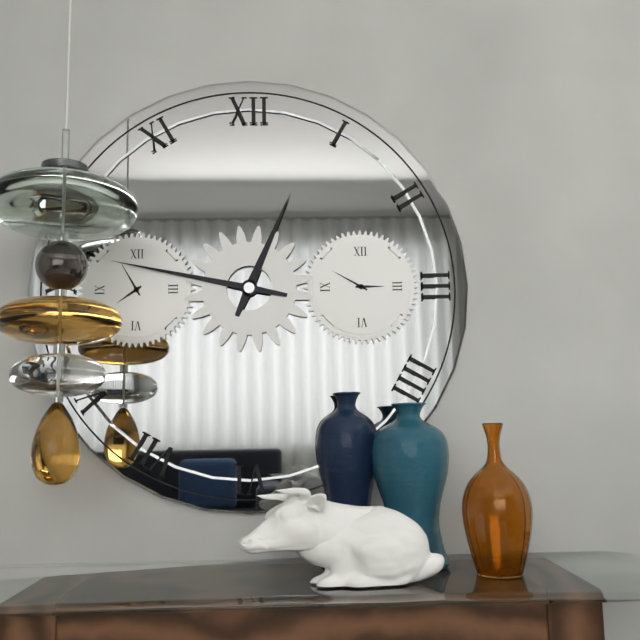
**12:47**
